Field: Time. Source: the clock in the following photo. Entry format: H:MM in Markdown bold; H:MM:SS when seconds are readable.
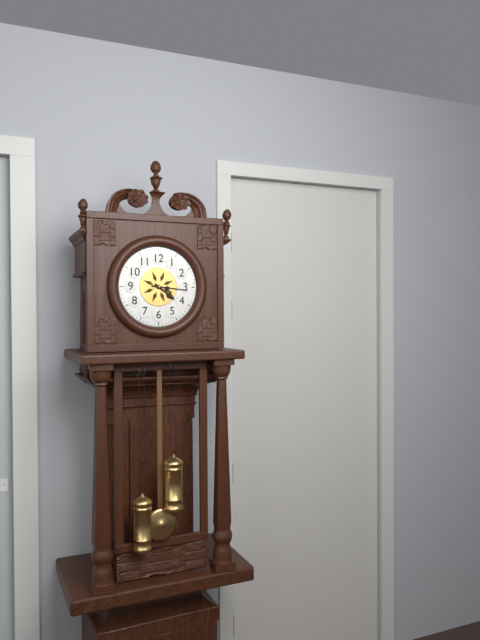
**4:16**
